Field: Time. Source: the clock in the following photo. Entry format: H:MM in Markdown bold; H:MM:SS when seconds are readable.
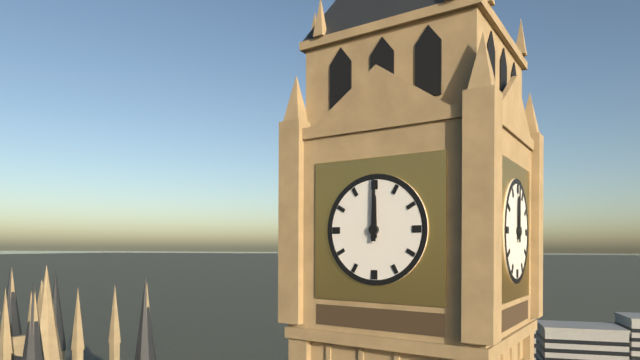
**12:00**
